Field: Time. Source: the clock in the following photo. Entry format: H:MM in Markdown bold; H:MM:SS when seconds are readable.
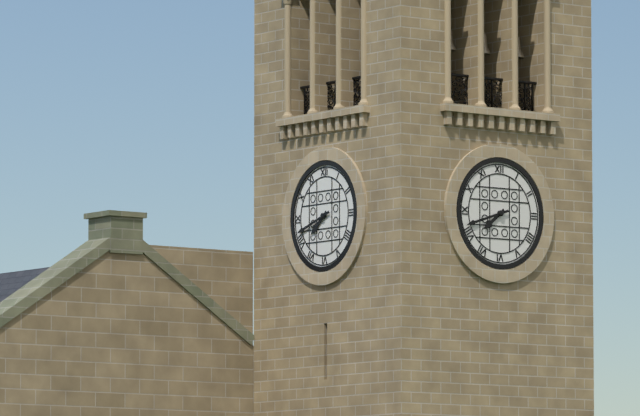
**7:42**
